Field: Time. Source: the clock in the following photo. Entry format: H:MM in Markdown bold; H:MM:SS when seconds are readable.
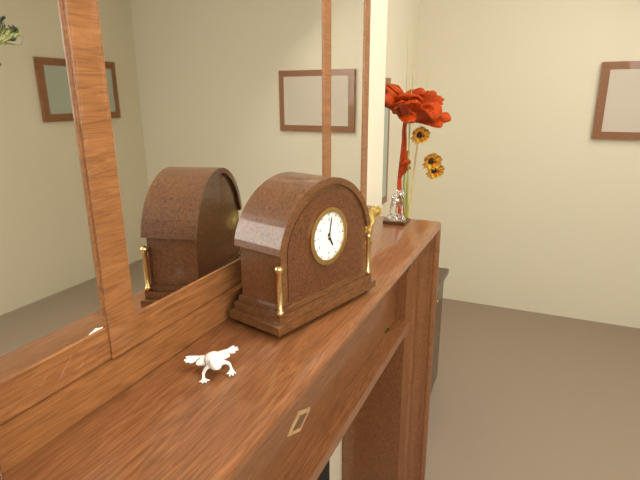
**5:02**
